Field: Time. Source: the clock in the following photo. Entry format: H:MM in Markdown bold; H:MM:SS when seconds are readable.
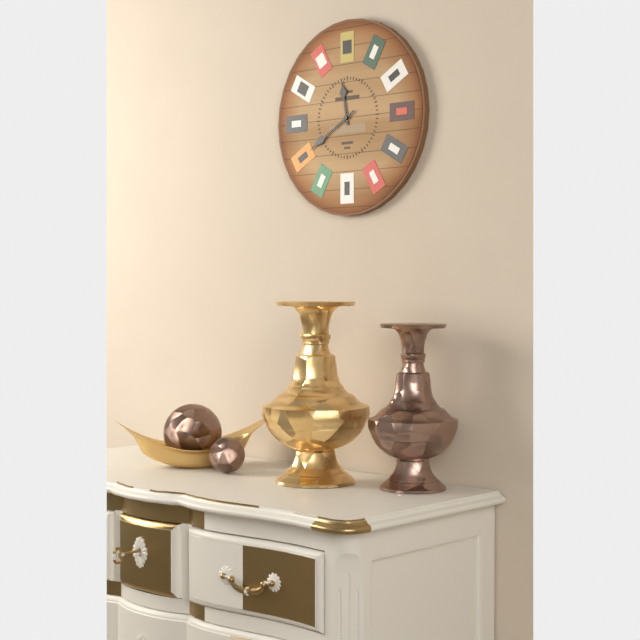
**11:40**
